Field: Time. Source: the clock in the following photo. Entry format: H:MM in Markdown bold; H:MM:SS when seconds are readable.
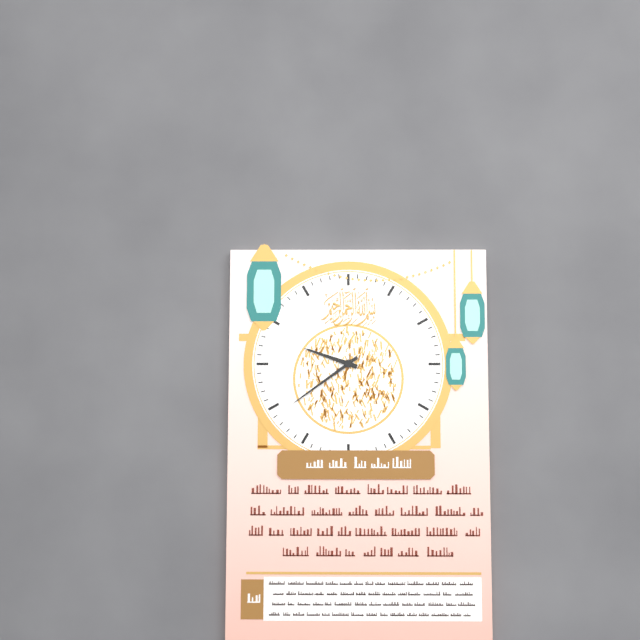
**9:39**
